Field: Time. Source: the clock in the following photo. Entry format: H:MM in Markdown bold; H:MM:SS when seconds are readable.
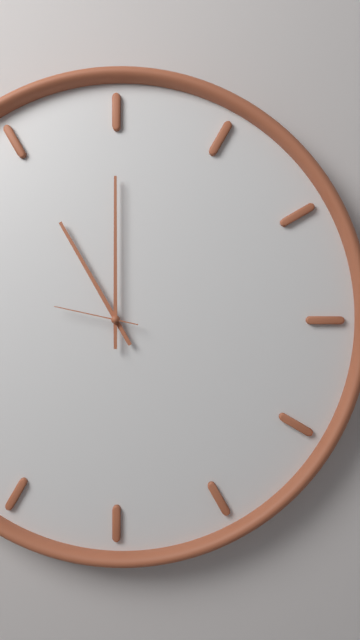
**11:00:47**
